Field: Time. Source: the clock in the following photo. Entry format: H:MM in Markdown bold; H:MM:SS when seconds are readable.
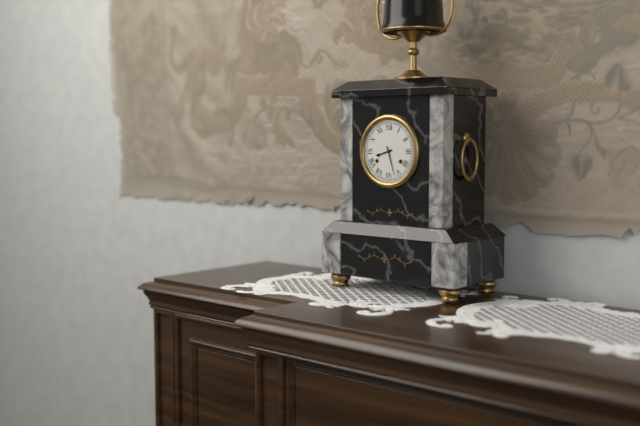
**8:27**
